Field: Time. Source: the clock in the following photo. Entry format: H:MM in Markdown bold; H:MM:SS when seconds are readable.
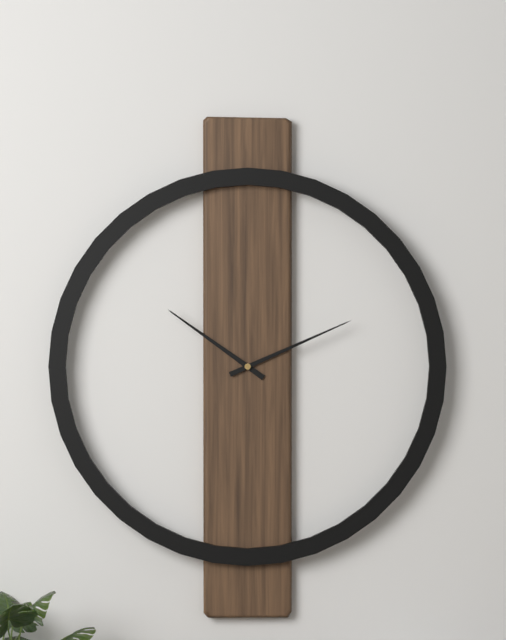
**10:11**
